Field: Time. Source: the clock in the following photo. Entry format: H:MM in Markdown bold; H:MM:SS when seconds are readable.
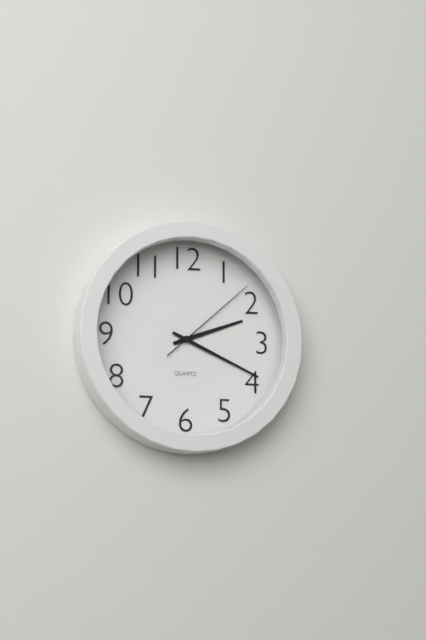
**2:19:08**
